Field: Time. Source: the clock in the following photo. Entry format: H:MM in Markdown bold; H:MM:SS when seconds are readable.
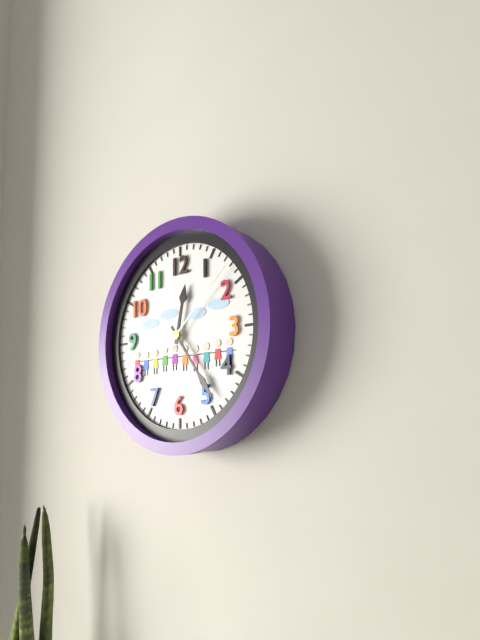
**12:24:08**
